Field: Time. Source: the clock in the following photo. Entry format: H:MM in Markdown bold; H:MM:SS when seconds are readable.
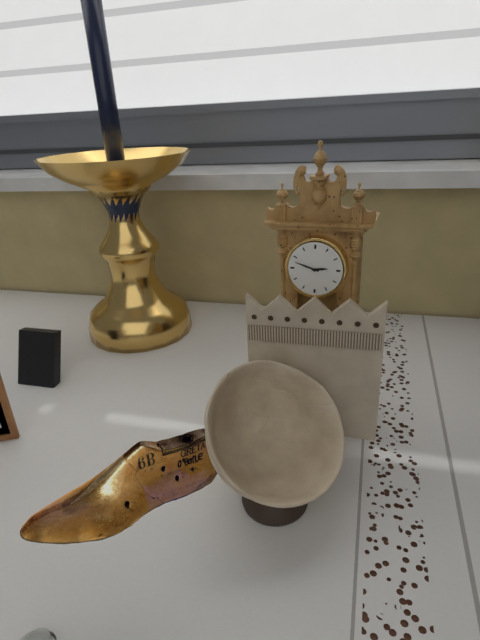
**2:48**
